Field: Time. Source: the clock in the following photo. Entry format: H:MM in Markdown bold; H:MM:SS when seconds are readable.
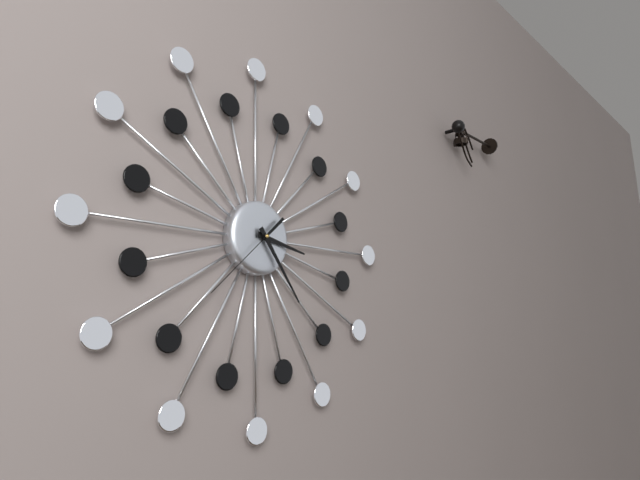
**3:24:38**
